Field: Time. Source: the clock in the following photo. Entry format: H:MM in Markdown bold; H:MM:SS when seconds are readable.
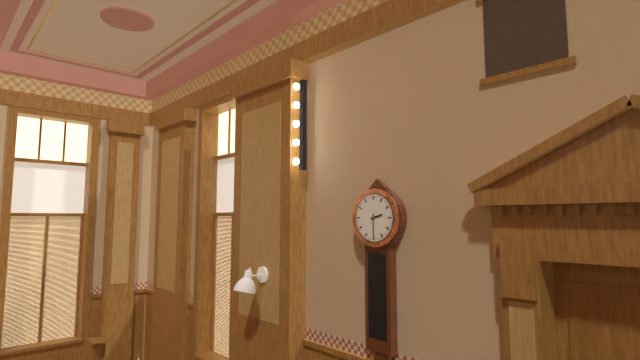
**2:30**
